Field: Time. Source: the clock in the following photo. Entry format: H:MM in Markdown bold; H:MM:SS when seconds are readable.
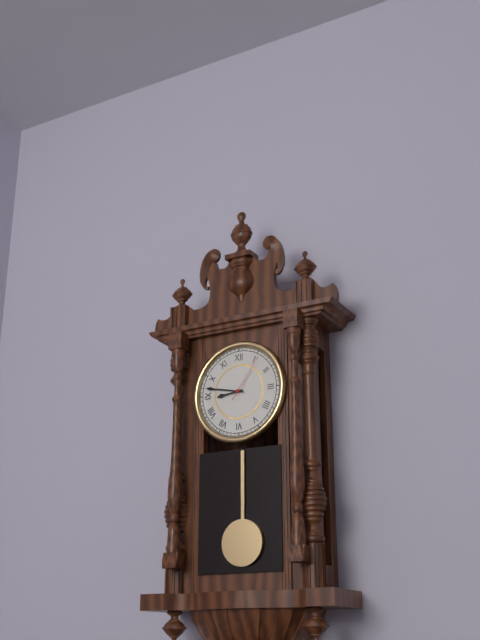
**8:47:06**
